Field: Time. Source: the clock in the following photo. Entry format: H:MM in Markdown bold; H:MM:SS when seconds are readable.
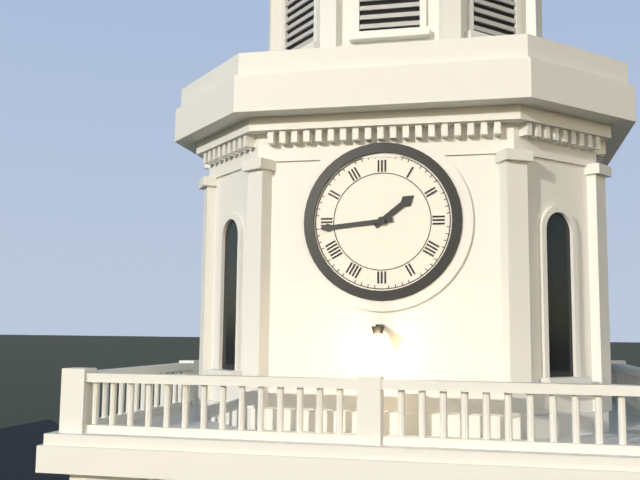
**1:44**
